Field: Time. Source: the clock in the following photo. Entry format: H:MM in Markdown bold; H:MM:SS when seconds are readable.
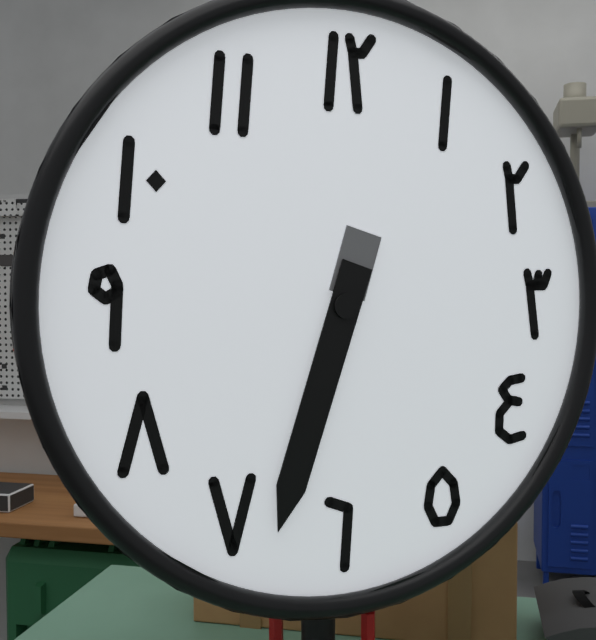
**6:33**
